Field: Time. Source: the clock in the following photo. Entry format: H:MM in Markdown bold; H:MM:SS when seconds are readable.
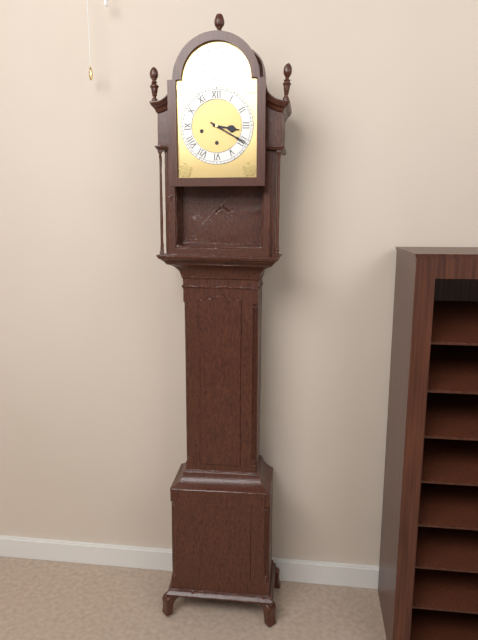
**3:20**
